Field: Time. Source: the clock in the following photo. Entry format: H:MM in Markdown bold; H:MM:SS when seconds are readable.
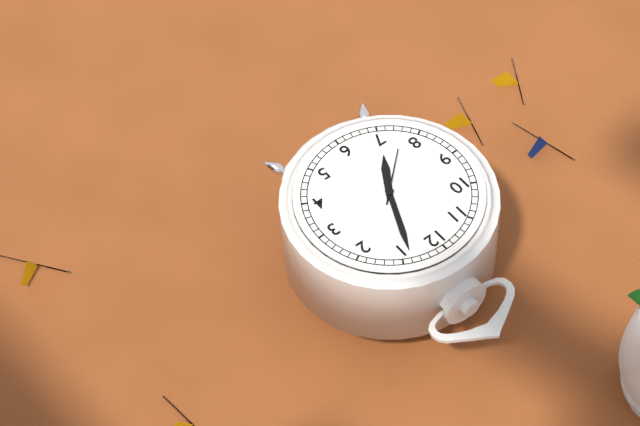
**7:04:38**
